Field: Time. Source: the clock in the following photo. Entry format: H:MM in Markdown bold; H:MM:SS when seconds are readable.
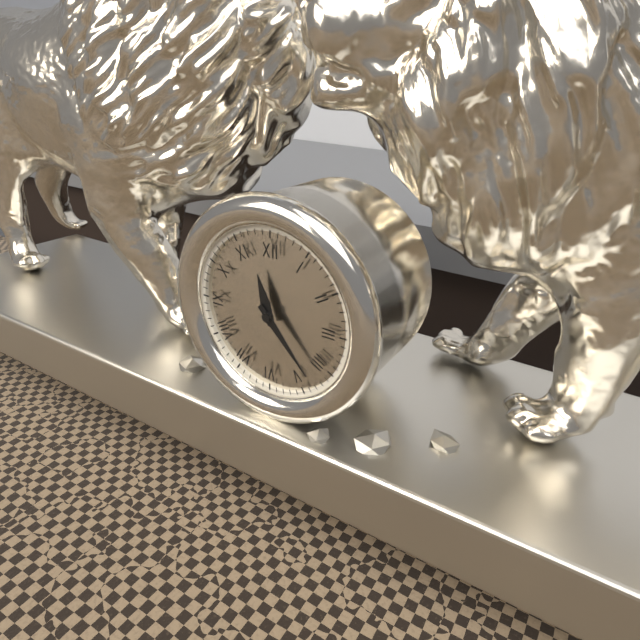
**11:23**
